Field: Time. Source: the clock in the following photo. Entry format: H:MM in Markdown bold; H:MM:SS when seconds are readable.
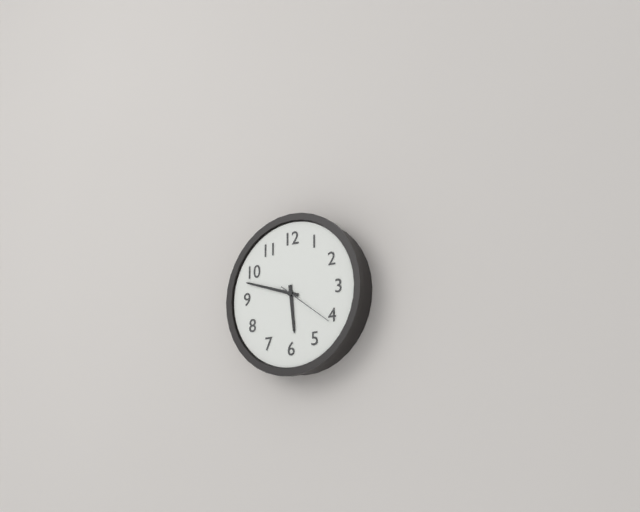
**5:48:21**
